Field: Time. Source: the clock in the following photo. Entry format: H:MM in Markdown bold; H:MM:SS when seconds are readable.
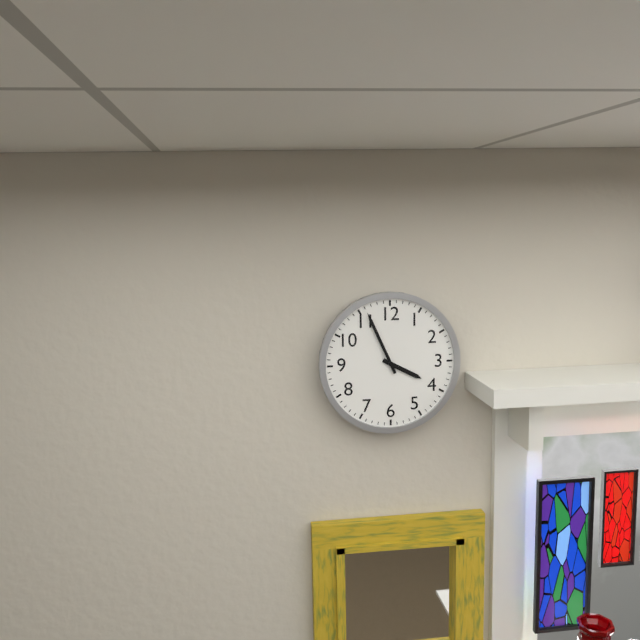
**3:56**
